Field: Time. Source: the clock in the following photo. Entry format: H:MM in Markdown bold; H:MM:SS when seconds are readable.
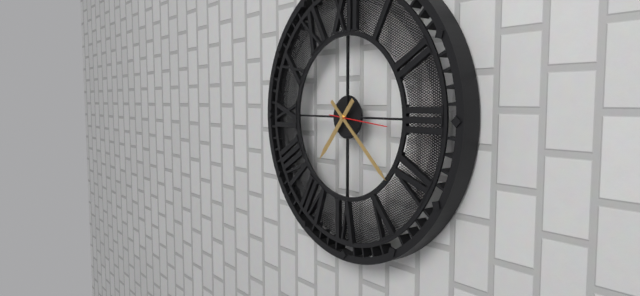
**7:22:16**
